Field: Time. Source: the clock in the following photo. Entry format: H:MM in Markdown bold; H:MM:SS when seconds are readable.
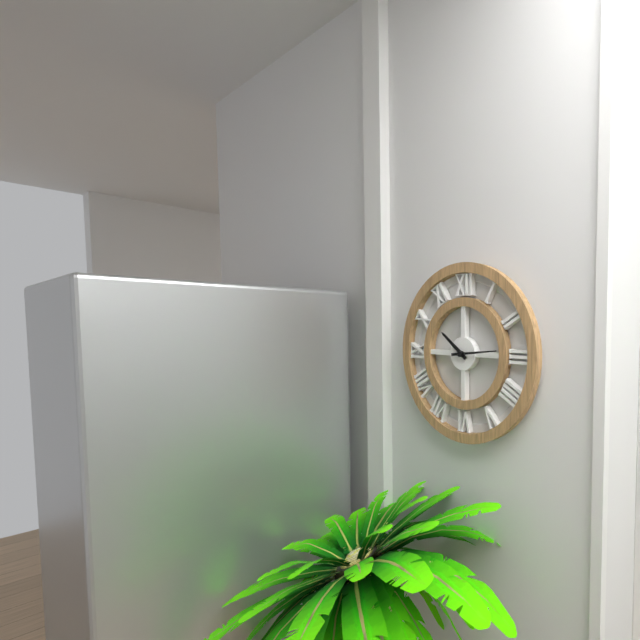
**10:14**
